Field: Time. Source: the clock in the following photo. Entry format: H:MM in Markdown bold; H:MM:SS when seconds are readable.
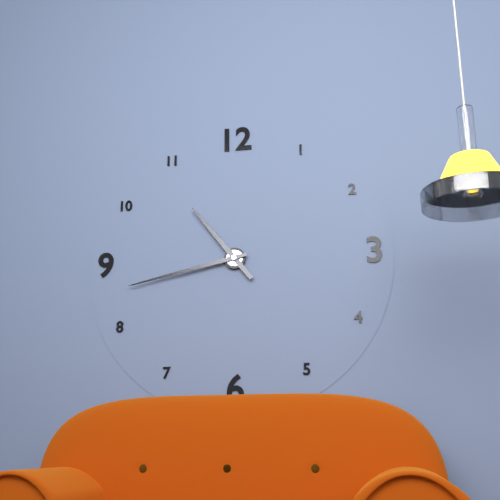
**10:43**
